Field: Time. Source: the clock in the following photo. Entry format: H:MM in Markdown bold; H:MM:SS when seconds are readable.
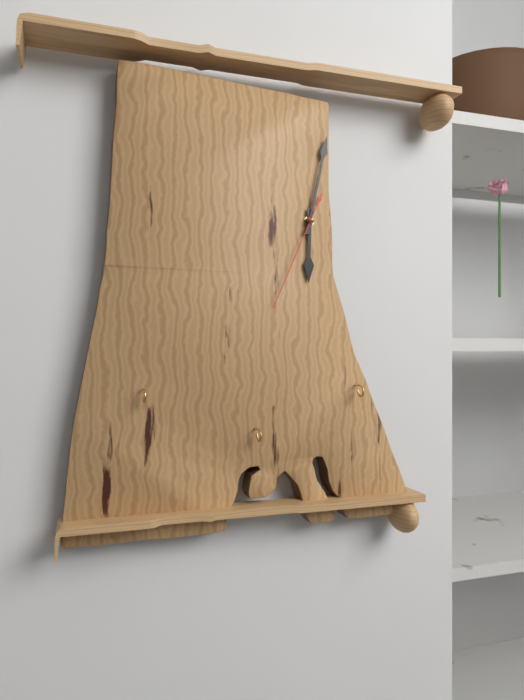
**6:02:34**
